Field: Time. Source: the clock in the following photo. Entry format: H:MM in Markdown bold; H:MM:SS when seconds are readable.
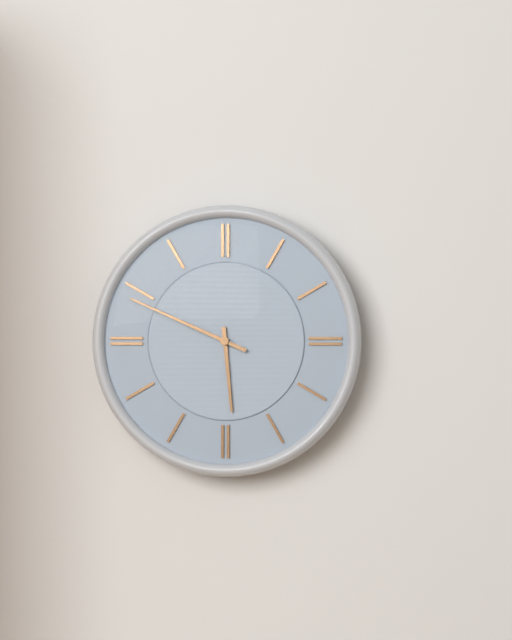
**5:49**
